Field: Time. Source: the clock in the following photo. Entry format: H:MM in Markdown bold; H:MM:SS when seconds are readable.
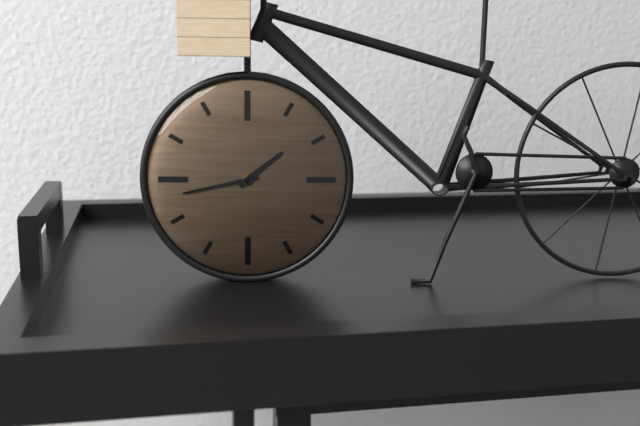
**1:43**
